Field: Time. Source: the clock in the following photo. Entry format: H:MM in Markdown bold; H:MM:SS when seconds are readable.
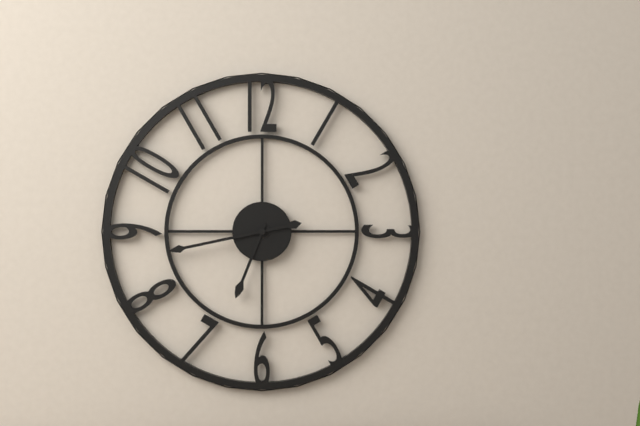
**6:43**
